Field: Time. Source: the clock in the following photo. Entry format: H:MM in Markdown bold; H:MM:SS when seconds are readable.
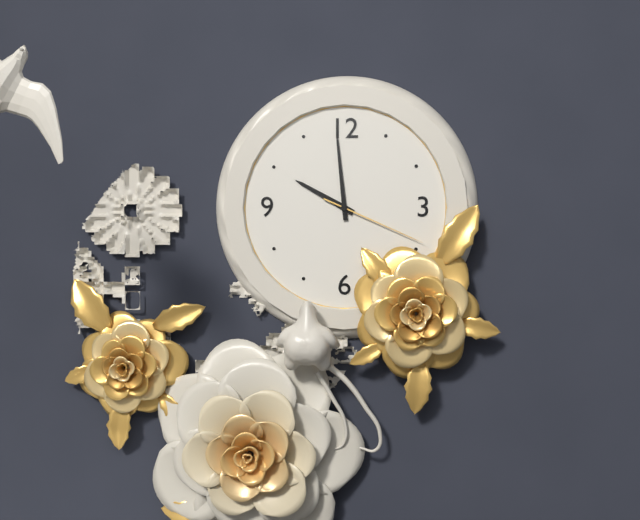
**9:59:19**
